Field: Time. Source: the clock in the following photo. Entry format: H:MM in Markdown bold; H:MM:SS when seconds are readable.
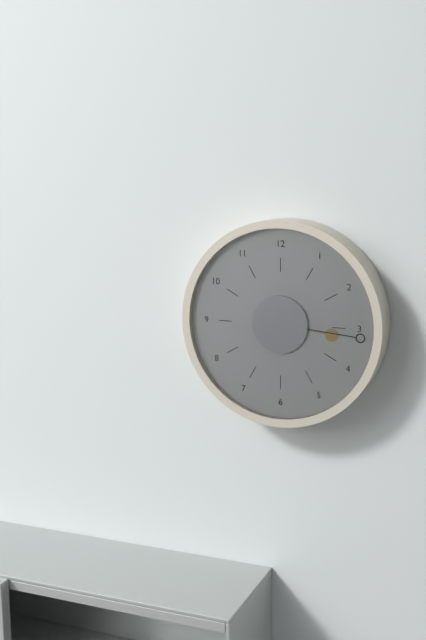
**3:16**
